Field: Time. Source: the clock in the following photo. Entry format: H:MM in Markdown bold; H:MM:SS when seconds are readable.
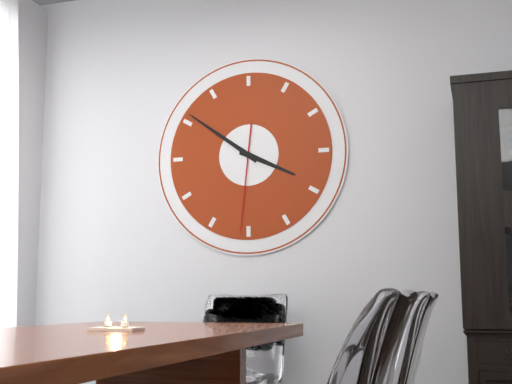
**3:51:31**
